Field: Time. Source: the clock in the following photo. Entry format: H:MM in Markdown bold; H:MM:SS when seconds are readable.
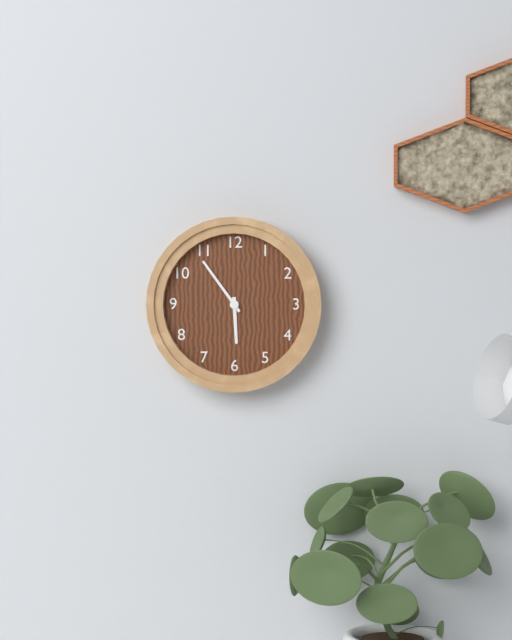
**5:54**
